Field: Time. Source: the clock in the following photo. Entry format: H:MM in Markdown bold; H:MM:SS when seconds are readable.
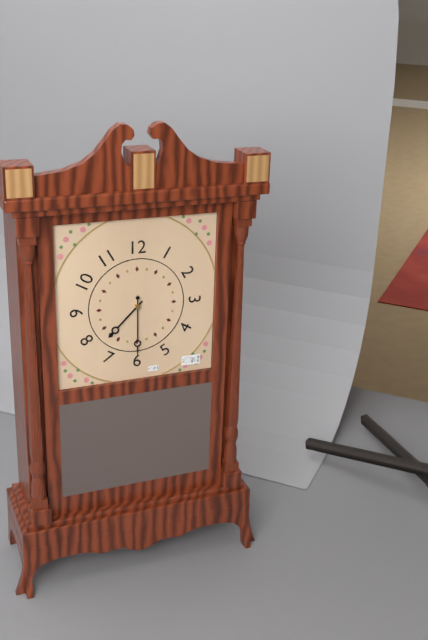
**7:30**
